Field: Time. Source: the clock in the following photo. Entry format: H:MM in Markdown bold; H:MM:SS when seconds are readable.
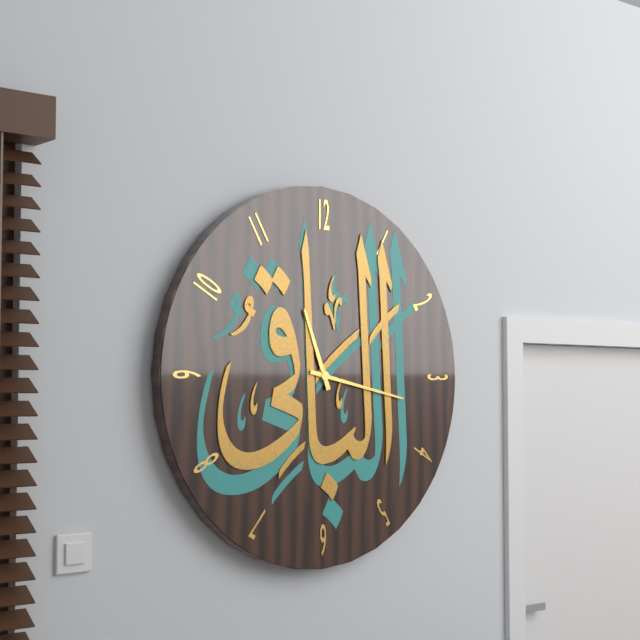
**11:17**
